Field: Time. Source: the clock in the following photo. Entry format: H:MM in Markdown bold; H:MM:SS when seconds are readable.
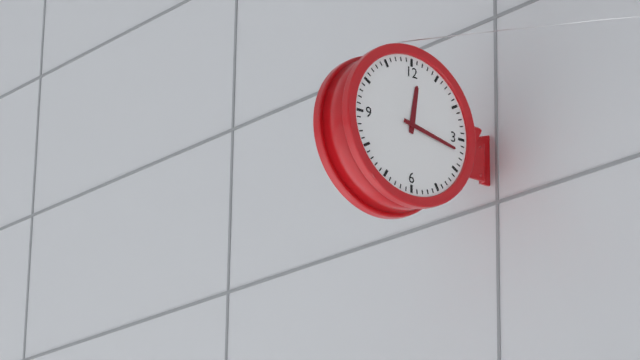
**12:17**
